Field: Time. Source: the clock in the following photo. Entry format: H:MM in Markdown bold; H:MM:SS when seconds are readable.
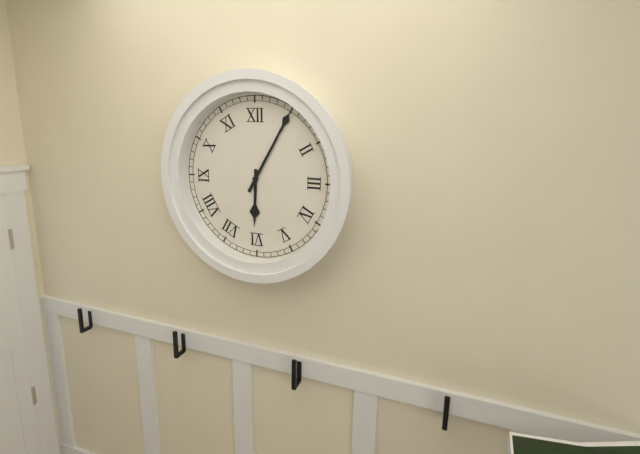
**6:05**
